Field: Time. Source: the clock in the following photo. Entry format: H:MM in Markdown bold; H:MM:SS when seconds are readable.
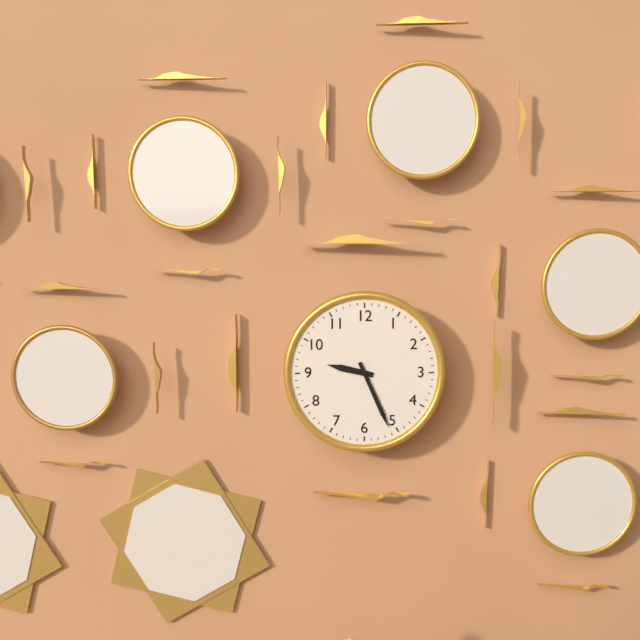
**9:26**
